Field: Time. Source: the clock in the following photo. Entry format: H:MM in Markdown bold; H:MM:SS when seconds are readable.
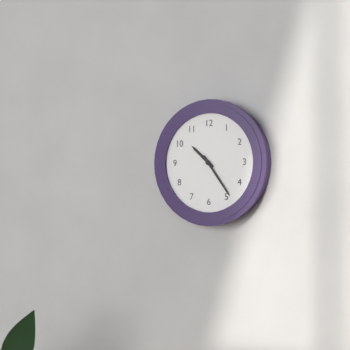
**10:24**
